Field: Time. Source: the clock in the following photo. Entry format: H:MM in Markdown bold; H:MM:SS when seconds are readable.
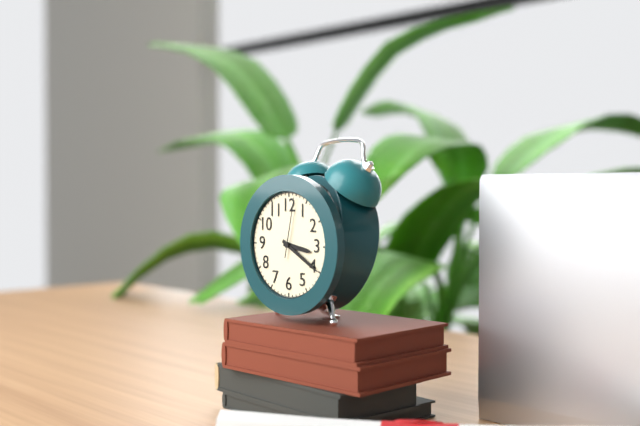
**3:20:02**
